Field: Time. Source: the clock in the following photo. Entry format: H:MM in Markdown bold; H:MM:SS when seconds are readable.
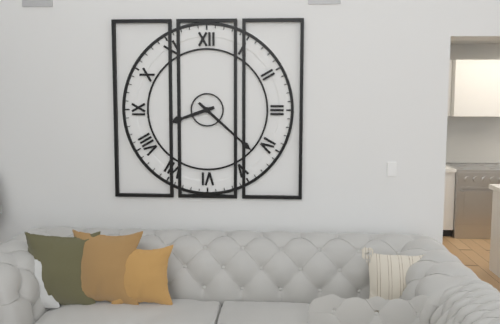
**8:22**
